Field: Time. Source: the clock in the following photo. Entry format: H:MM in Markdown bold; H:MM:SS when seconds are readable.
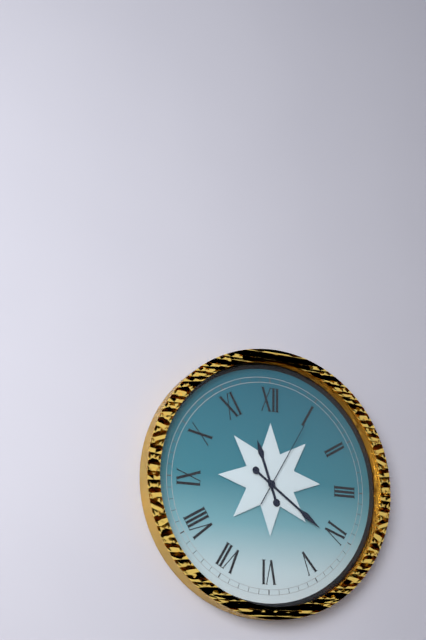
**11:21:05**
